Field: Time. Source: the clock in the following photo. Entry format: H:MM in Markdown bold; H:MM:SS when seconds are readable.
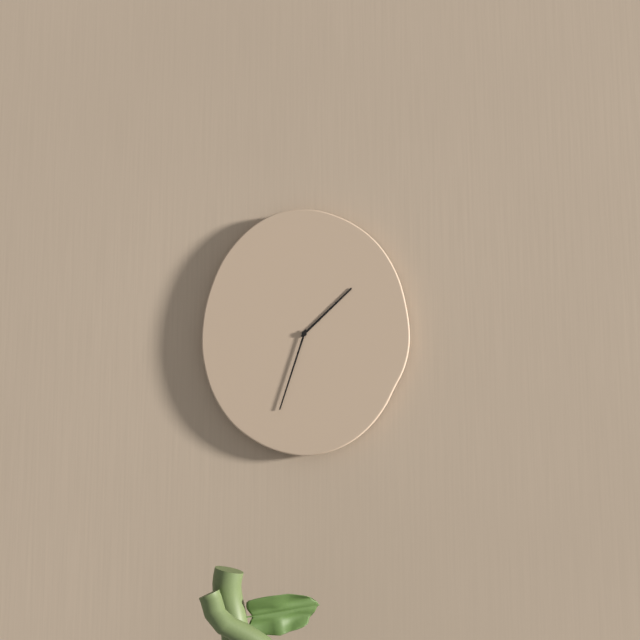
**1:33**
